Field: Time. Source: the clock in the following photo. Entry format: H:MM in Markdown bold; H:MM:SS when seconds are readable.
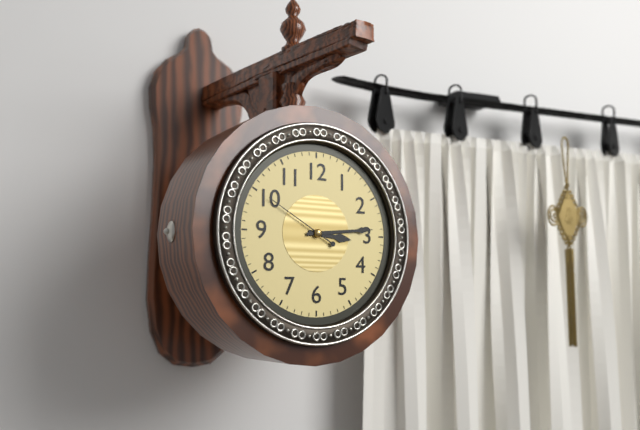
**3:14:50**
